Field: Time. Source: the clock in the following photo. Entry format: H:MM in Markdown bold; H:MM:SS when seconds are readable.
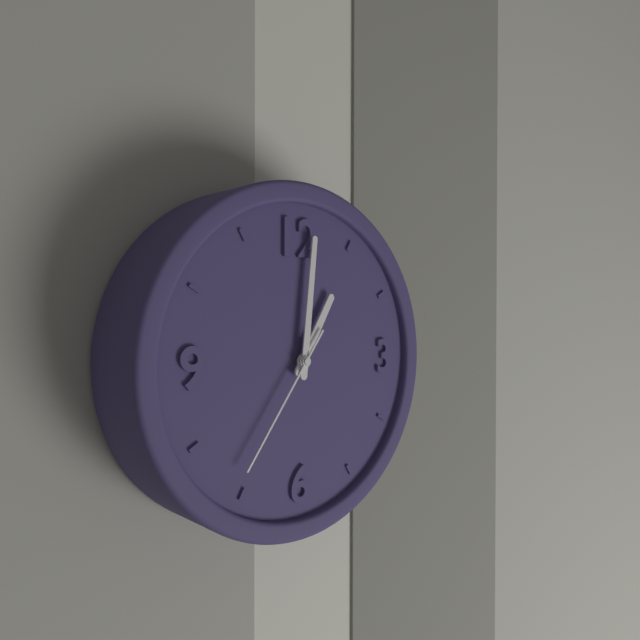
**1:01:36**
